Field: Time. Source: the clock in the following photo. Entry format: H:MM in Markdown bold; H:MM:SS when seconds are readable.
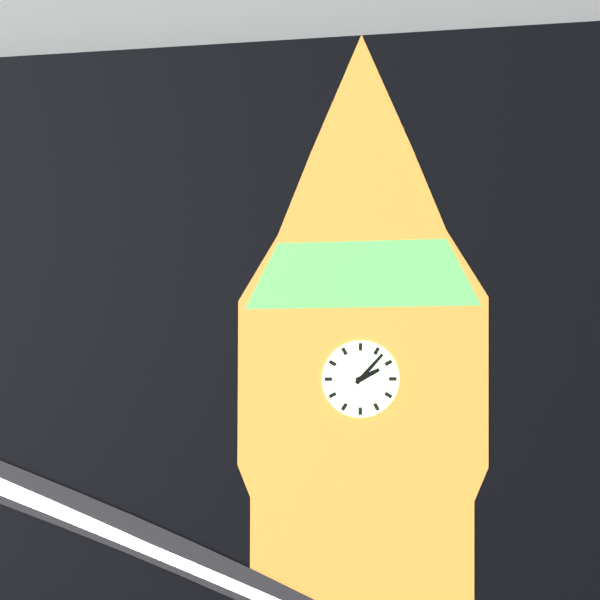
**2:07**
